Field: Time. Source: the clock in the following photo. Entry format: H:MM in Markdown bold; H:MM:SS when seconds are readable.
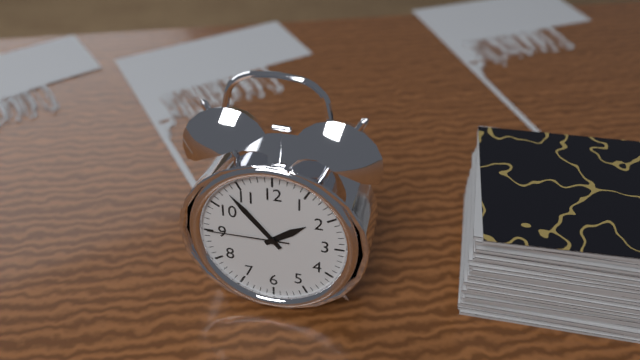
**1:53:45**
